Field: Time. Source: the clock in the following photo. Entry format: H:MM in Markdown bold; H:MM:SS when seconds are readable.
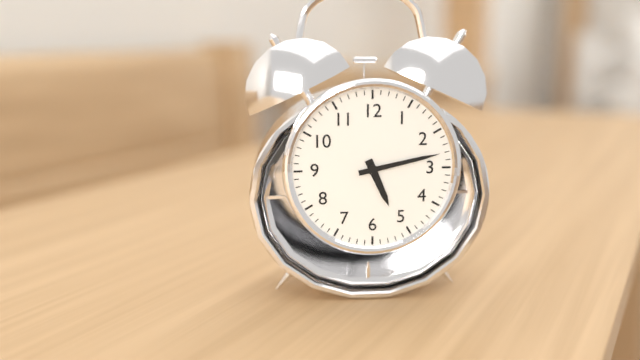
**5:13**
